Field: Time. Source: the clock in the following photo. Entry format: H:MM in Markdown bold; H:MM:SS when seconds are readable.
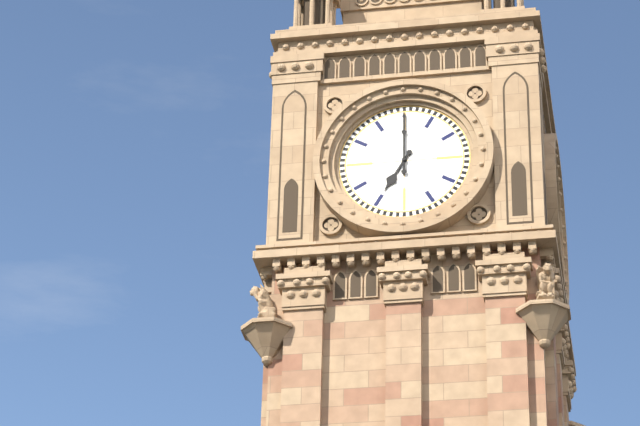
**7:00**
